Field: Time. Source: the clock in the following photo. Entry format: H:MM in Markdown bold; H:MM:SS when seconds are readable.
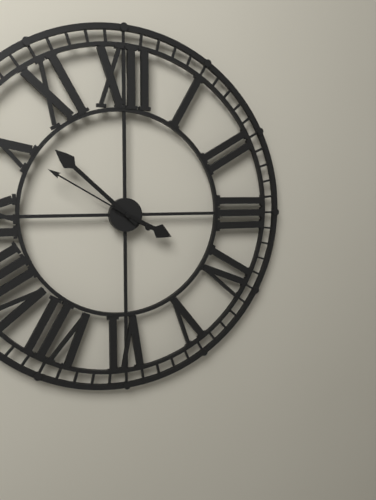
**3:52:50**
